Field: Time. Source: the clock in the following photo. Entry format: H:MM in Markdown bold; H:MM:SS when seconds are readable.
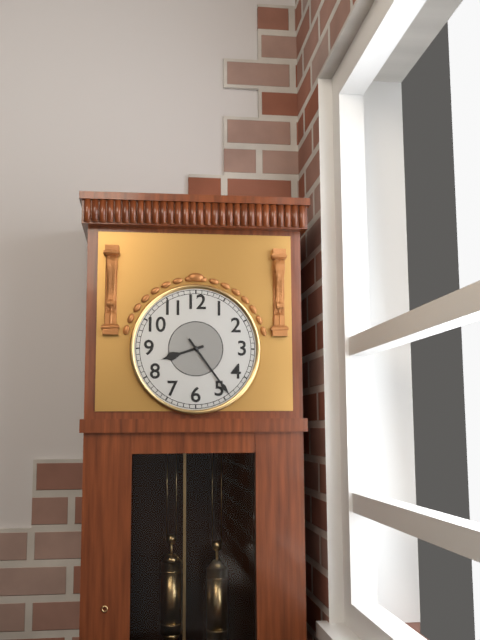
**8:24**
